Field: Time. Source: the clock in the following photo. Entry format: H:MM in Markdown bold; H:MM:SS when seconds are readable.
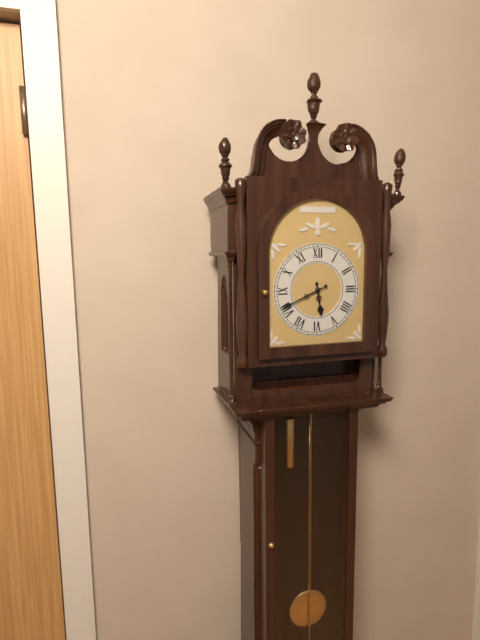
**5:41**
